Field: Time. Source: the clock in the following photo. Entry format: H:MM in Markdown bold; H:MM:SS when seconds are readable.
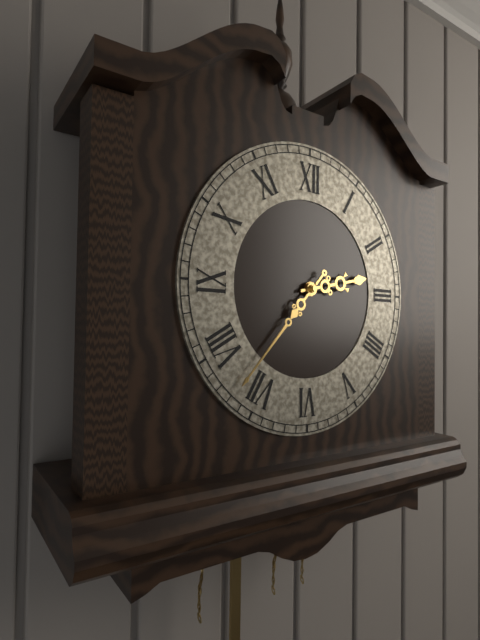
**2:37**
